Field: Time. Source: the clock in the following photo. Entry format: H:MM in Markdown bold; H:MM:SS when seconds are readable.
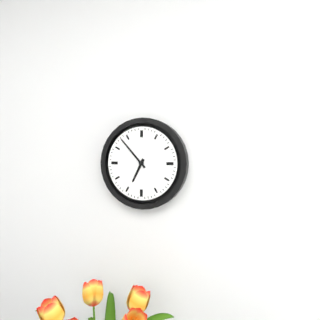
**6:53**
